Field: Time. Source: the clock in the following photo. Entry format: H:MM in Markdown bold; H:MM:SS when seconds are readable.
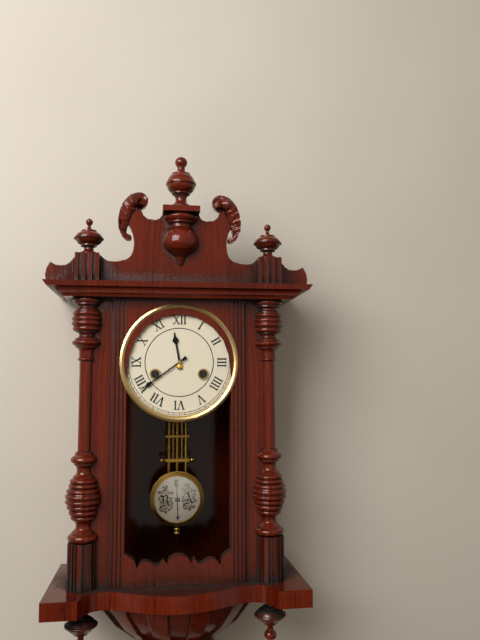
**11:39**
